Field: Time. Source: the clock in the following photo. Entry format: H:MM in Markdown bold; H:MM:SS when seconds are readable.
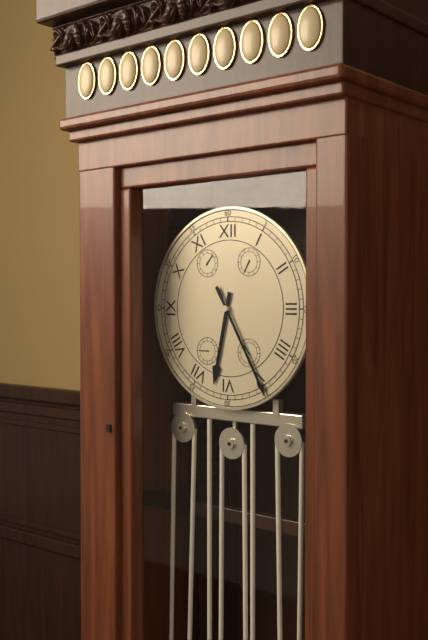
**6:25**
